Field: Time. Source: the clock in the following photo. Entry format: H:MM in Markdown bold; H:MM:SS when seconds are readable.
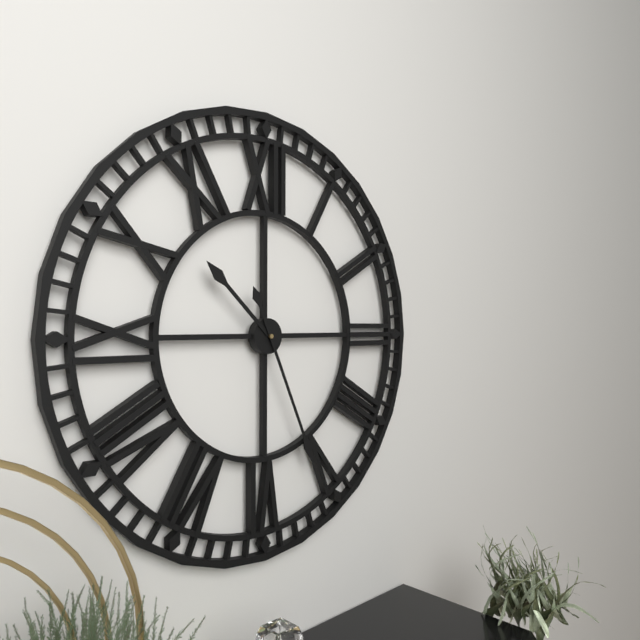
**10:26**
